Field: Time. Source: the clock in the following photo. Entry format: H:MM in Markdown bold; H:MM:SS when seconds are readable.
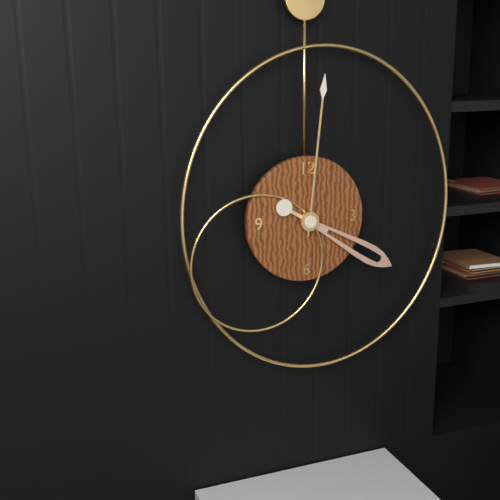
**4:01**
